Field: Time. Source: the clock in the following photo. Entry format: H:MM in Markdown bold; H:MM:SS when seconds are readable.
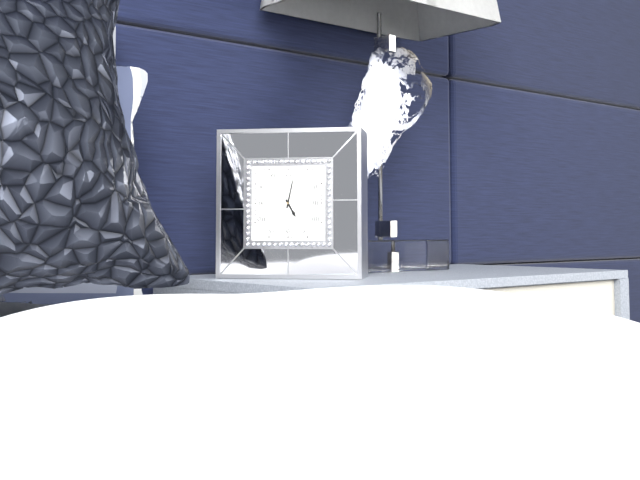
**5:02**
